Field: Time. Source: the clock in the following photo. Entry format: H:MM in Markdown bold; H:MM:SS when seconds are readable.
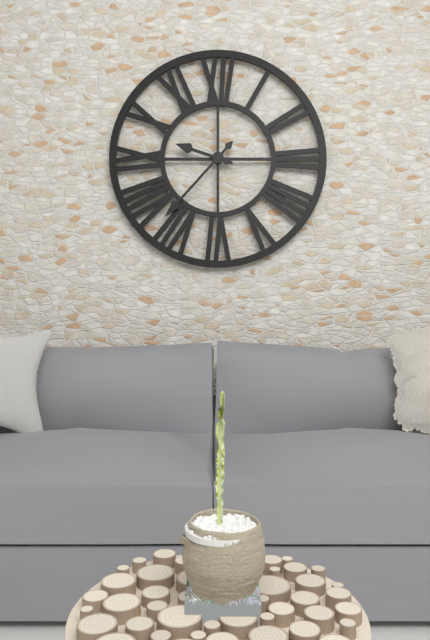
**9:37**
